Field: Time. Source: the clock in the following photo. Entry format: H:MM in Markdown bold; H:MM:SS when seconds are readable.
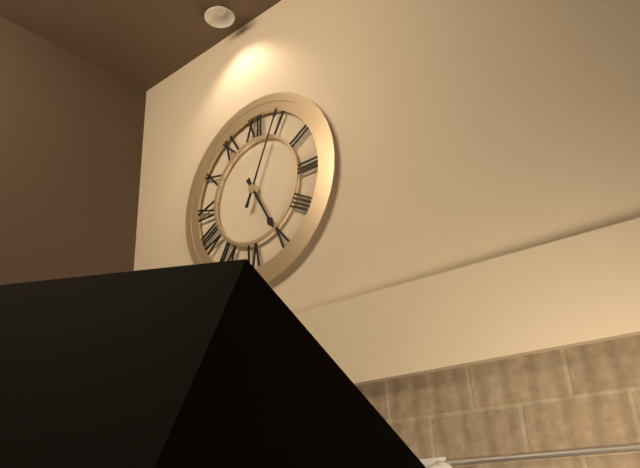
**5:04**
